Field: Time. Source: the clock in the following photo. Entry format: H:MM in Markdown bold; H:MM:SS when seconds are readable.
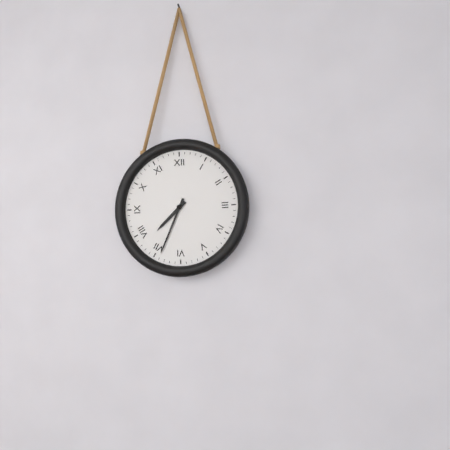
**7:34**
